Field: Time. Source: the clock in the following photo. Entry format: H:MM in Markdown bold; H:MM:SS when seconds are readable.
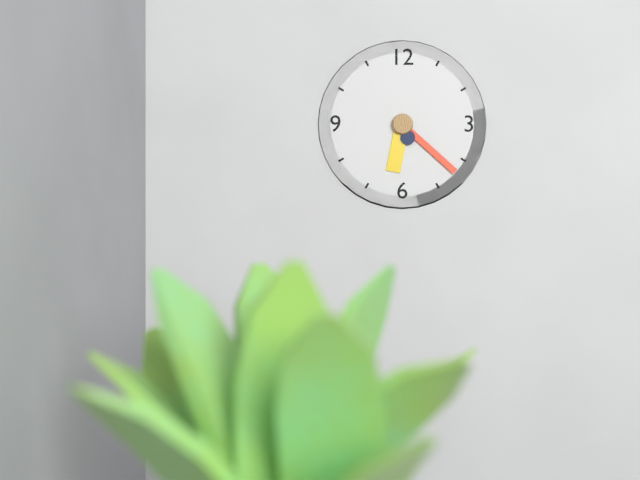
**6:22**
